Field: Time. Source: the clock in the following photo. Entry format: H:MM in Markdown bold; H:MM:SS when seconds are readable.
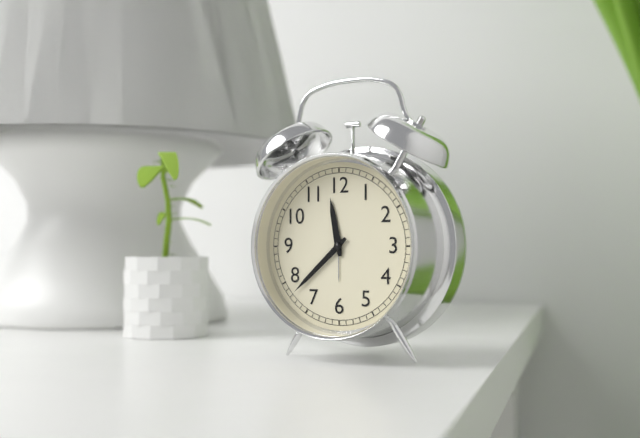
**11:38**
